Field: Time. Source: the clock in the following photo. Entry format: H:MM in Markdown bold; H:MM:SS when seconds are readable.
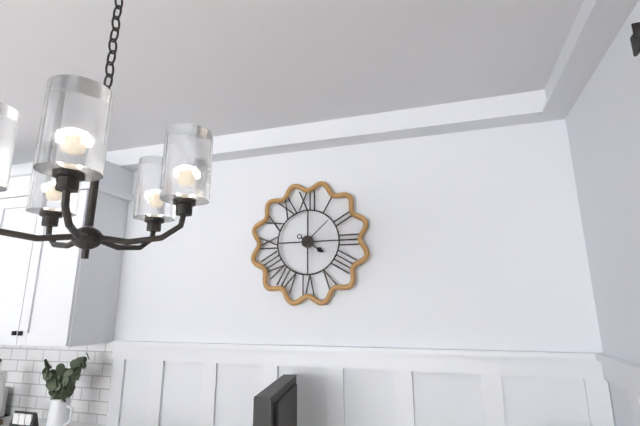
**4:08**
